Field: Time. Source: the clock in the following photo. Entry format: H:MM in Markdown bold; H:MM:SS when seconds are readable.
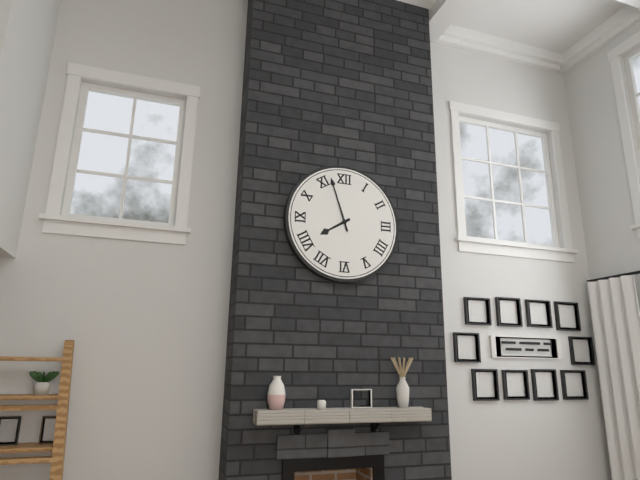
**7:57**
